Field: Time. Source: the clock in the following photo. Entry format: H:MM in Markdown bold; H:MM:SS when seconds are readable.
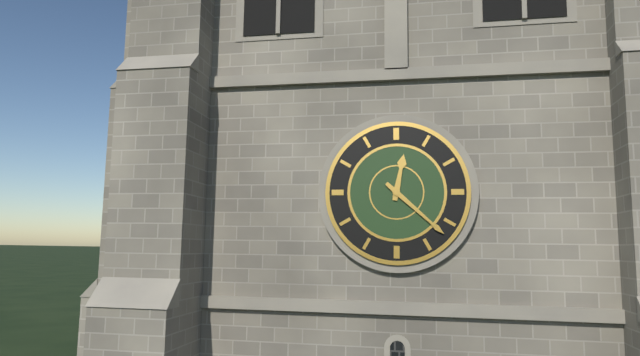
**12:22**
